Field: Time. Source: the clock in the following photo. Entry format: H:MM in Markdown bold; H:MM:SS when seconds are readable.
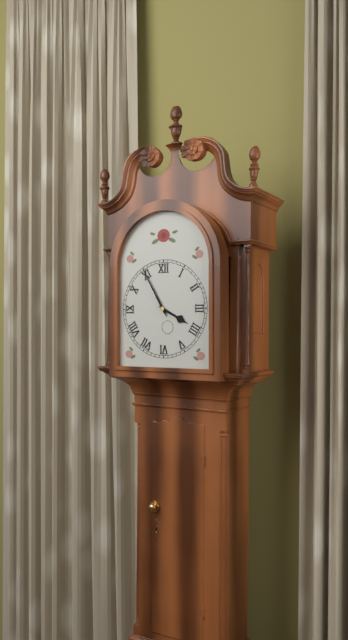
**3:55**
